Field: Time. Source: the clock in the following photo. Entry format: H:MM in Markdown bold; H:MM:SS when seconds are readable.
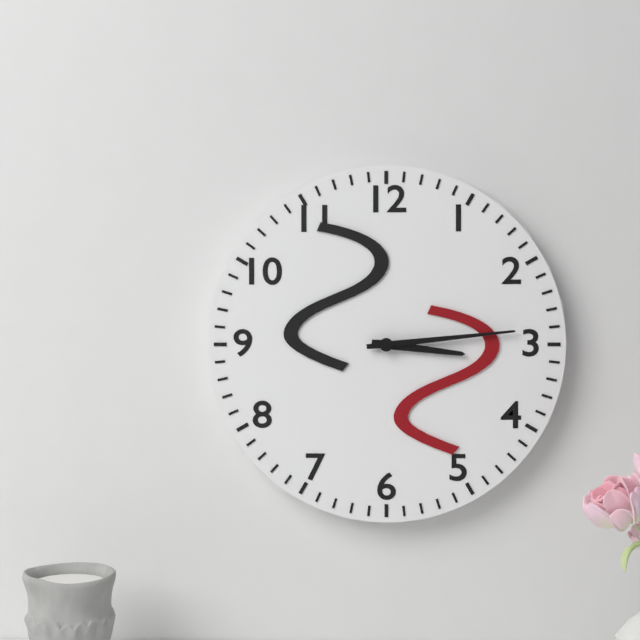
**3:14**
